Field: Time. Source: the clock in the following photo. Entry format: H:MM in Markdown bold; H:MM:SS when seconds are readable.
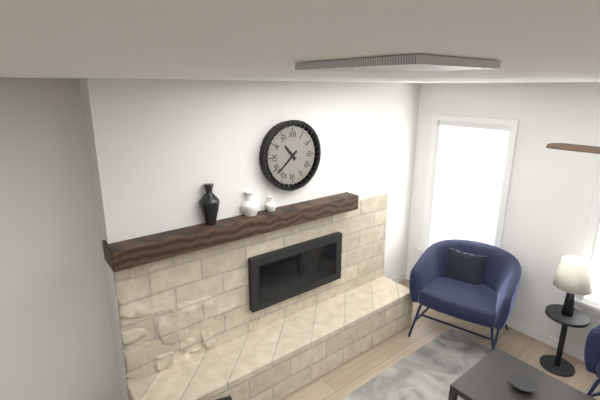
**10:38**
